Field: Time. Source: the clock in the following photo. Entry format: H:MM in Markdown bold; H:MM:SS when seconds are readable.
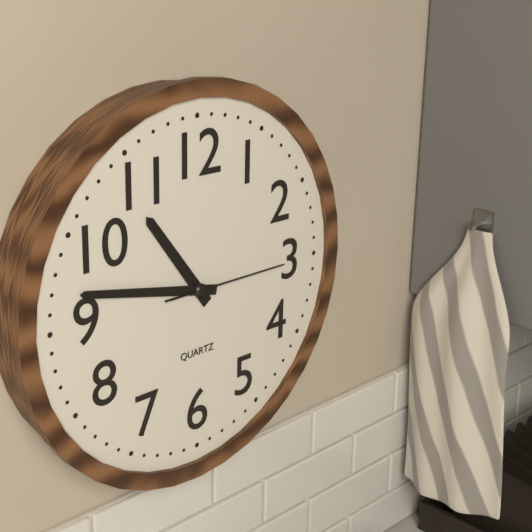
**10:47:15**
